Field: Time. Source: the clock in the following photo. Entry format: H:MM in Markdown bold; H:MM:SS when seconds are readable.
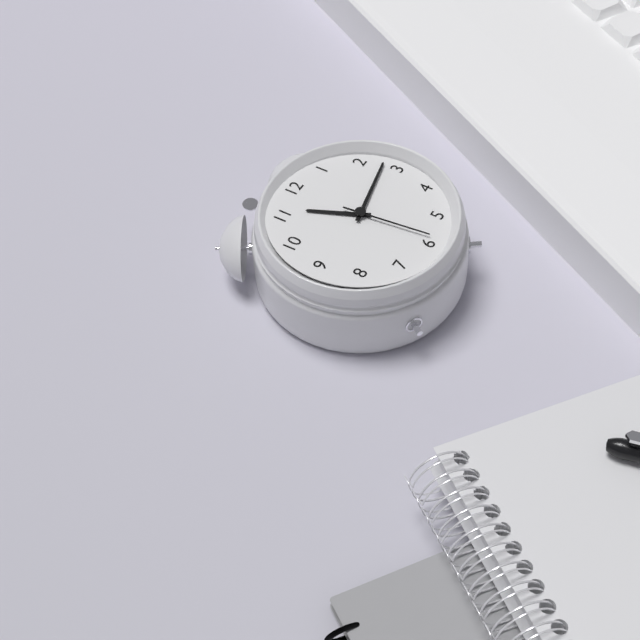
**11:13:29**
